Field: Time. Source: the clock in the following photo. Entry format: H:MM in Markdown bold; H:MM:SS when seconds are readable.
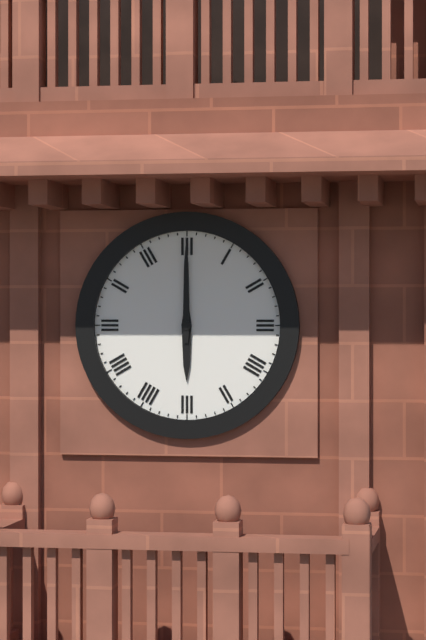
**6:00**
